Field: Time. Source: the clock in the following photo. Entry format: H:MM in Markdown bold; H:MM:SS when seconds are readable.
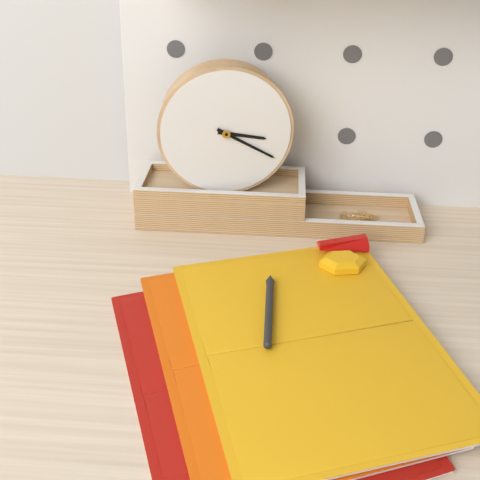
**3:20**
